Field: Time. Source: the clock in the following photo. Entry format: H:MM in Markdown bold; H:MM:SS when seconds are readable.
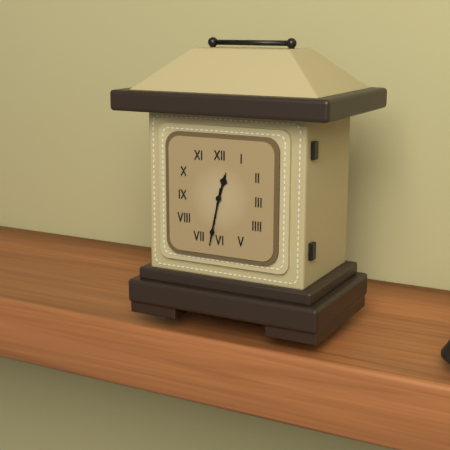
**12:32**
